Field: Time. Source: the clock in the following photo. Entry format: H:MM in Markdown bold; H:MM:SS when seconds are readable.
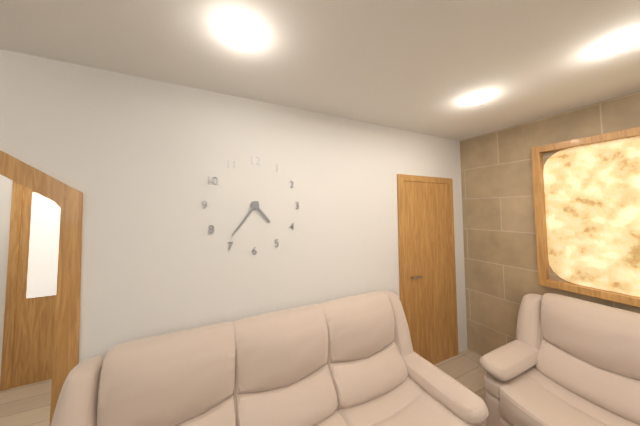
**4:36**
